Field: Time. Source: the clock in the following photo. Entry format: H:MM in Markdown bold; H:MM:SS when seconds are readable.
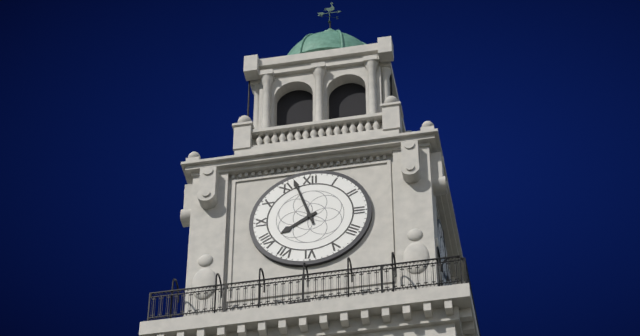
**7:57**
